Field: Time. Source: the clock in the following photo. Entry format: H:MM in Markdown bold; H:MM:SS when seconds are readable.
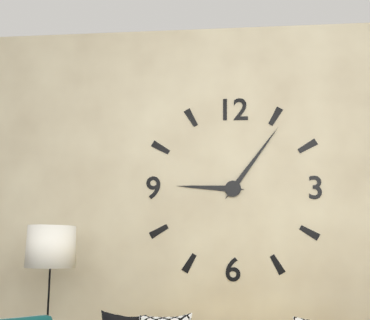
**9:06**
